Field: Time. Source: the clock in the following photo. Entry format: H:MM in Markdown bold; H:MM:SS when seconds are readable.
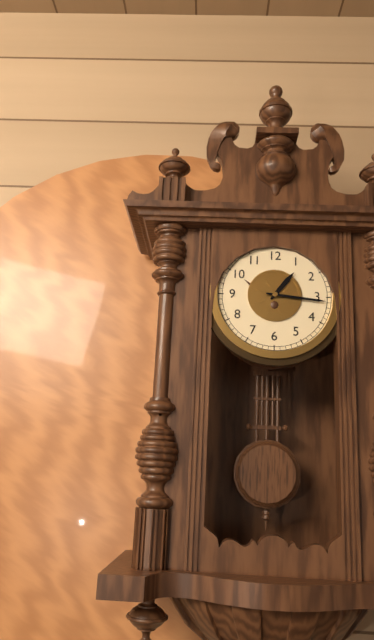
**1:16**
